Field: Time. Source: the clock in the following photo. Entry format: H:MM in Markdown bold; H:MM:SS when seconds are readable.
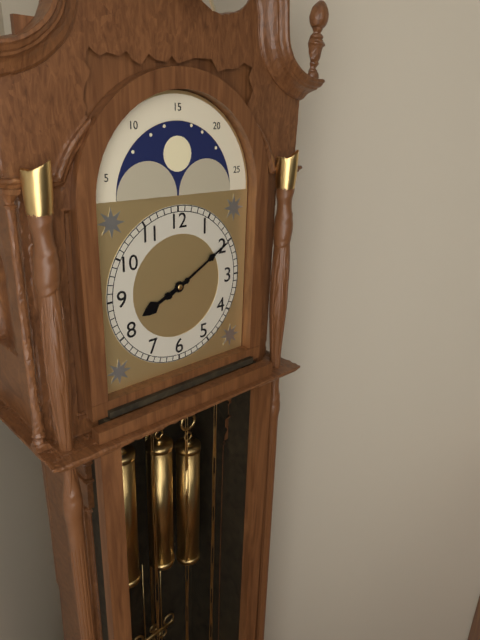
**8:10**
